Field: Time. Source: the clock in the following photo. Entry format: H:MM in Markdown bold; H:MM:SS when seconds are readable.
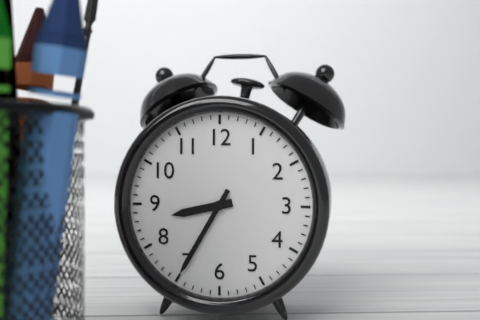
**8:35**
